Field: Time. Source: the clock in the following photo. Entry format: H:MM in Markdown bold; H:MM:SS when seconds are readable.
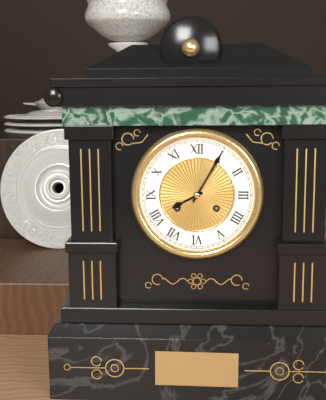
**8:05**
